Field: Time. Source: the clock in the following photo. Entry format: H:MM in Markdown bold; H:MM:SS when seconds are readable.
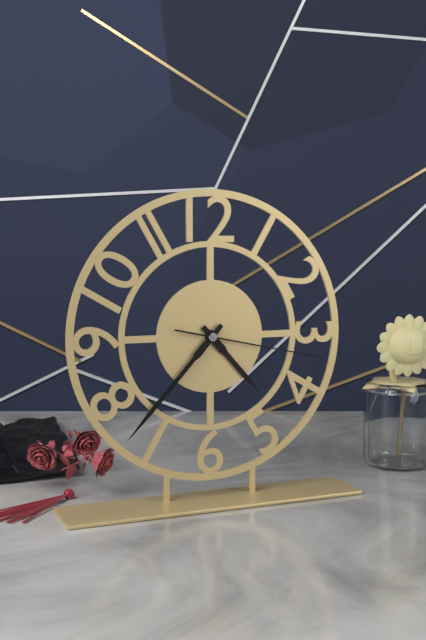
**4:37:17**
